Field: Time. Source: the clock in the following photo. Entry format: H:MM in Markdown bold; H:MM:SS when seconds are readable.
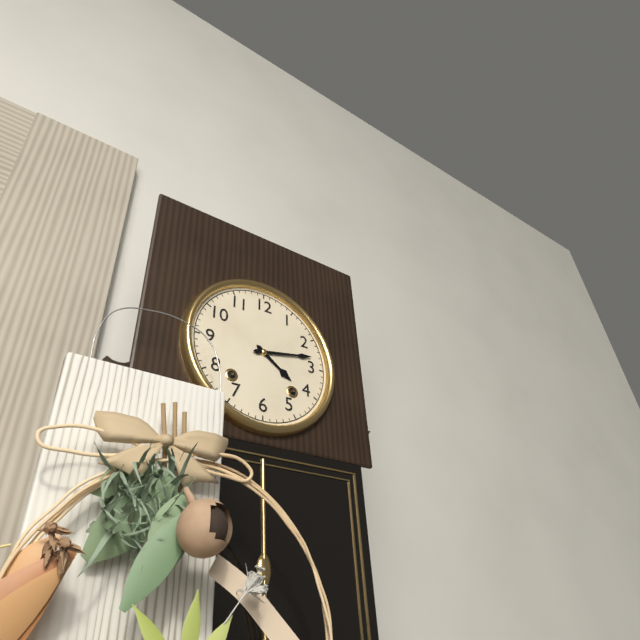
**4:13**
